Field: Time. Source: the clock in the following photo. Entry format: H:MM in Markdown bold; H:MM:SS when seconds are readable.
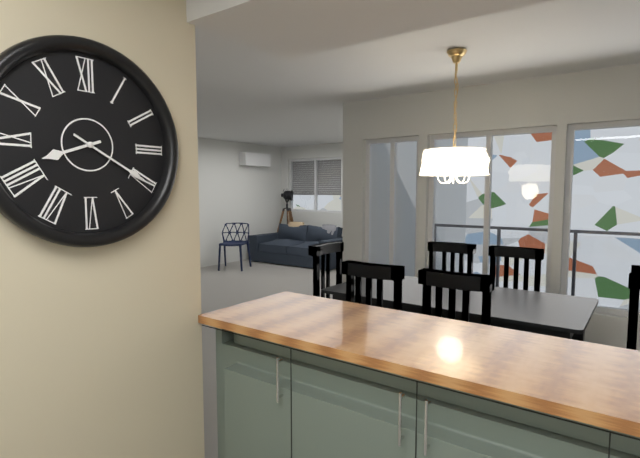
**8:20**
